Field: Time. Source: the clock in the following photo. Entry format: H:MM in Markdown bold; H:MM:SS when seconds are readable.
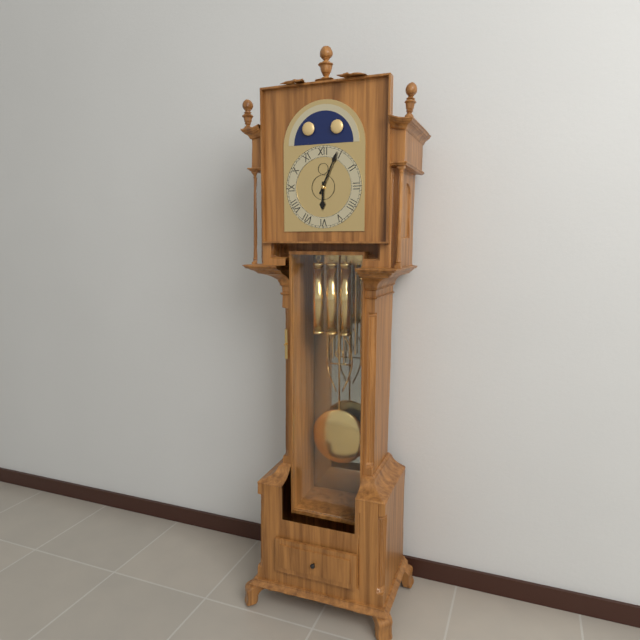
**6:04**
